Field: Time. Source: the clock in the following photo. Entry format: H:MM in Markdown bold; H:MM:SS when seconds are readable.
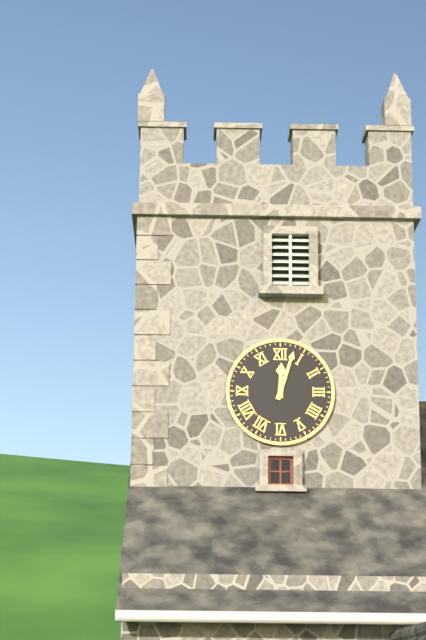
**12:03**
